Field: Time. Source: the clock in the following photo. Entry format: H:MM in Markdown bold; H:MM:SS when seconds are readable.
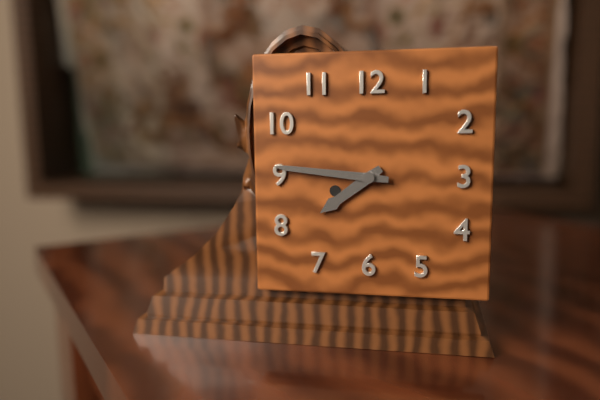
**7:46**
